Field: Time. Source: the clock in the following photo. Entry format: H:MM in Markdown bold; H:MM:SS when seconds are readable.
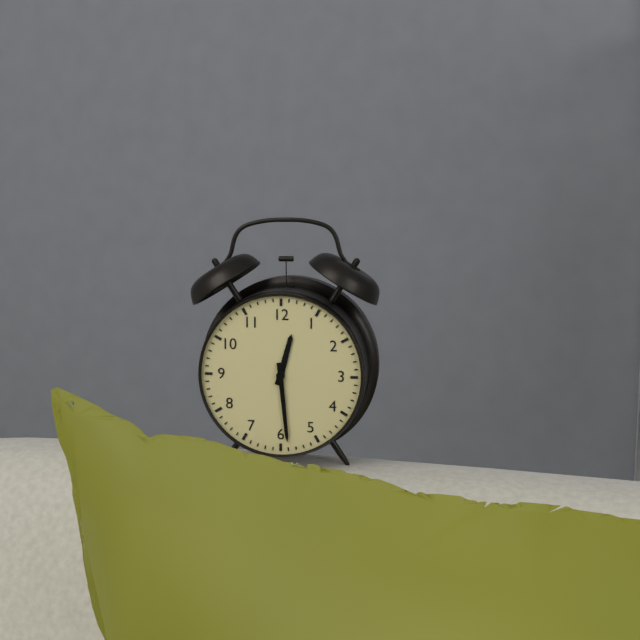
**12:29**
